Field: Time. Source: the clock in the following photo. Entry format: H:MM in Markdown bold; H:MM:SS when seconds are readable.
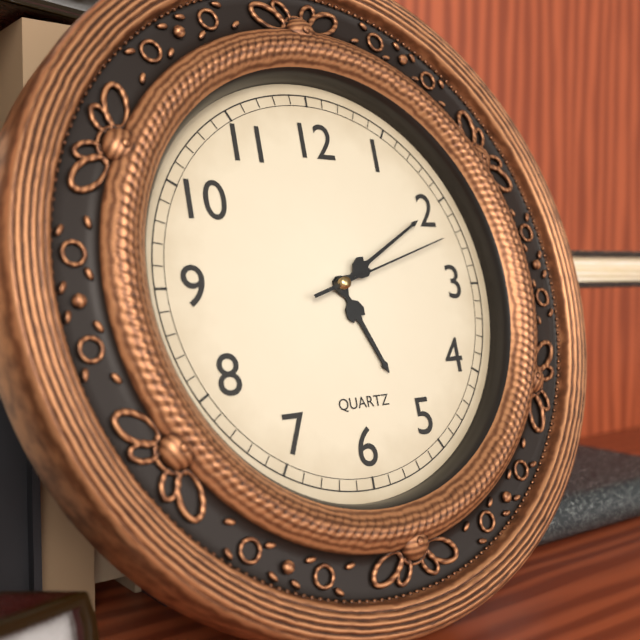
**5:10:12**
